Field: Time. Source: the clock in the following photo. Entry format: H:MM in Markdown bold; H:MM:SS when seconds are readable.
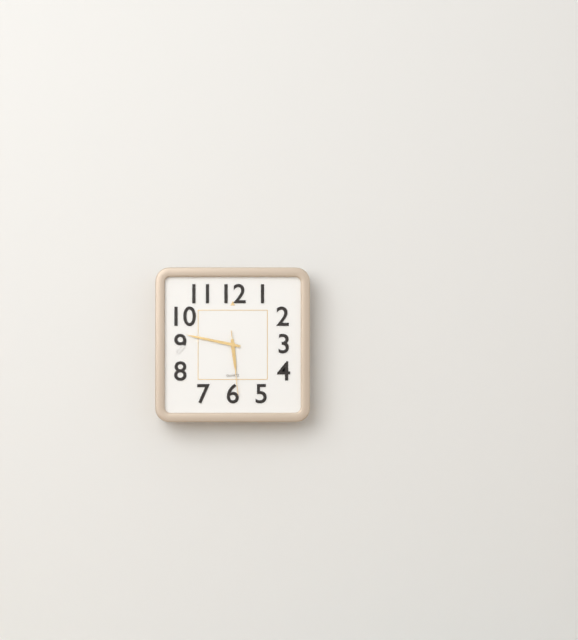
**5:47:29**
